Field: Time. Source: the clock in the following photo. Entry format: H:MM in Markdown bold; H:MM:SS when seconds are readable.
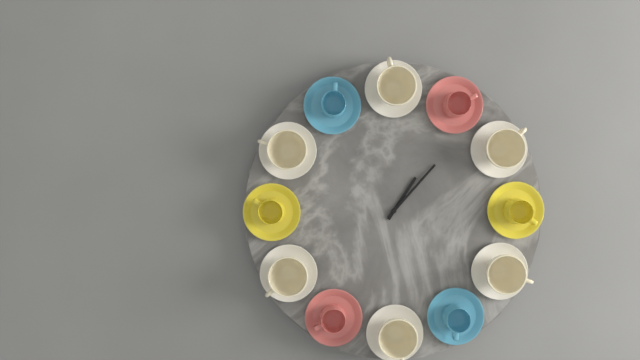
**1:07**
